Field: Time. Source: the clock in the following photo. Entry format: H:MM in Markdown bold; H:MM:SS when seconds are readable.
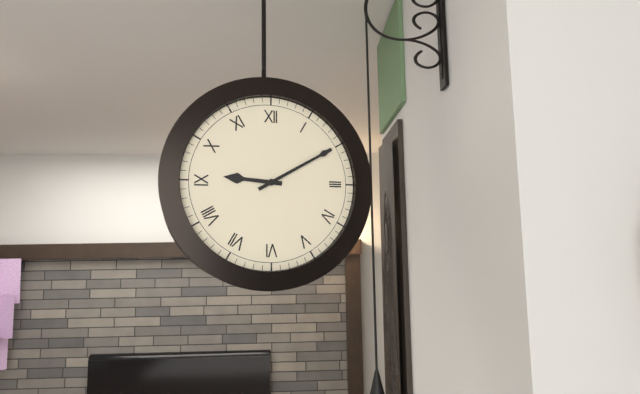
**9:10**
